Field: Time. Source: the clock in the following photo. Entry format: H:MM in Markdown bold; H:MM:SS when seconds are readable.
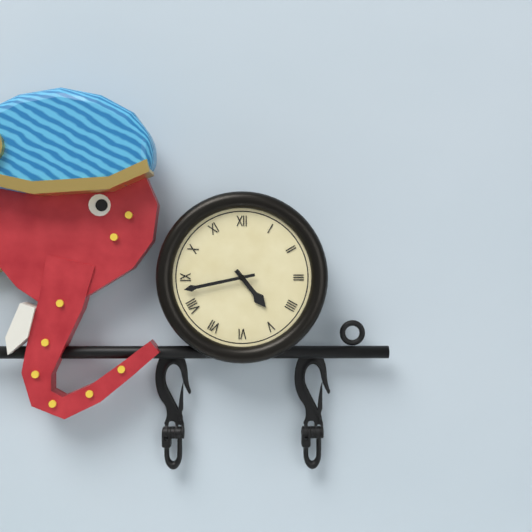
**4:43**
